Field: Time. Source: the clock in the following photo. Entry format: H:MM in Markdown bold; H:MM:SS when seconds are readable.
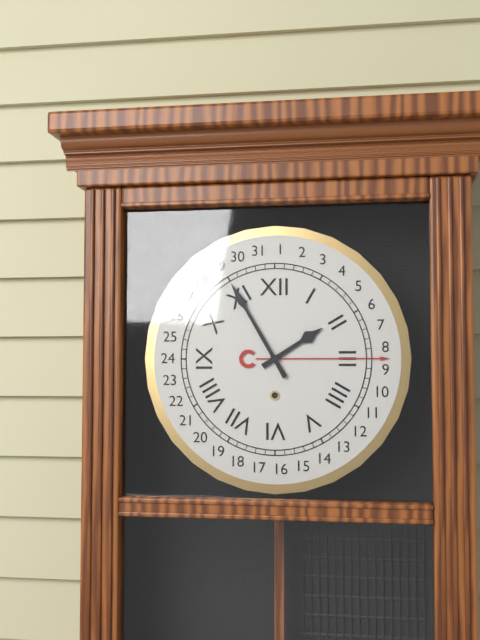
**1:55**
